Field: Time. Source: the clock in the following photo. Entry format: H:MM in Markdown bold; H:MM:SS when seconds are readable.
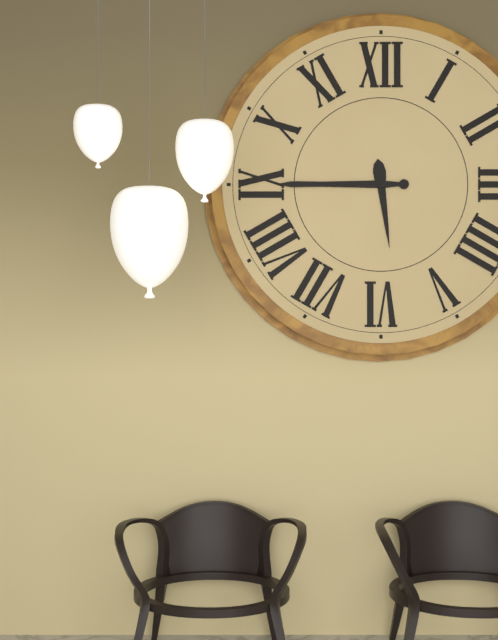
**5:45**
